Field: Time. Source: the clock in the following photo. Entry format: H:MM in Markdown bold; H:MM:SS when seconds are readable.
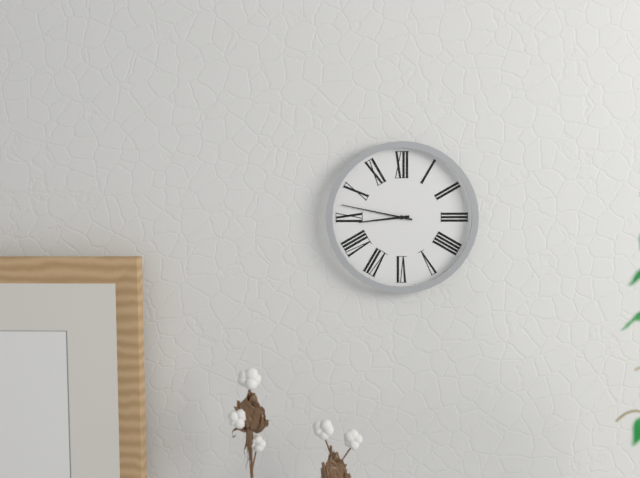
**8:47**
